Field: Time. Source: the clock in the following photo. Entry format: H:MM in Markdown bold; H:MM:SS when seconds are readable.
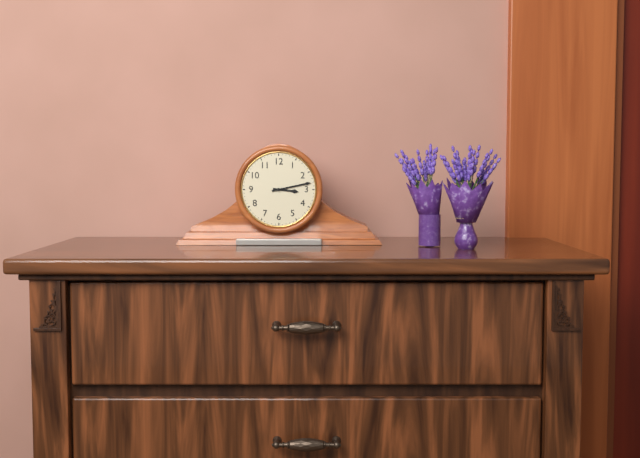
**3:13**
